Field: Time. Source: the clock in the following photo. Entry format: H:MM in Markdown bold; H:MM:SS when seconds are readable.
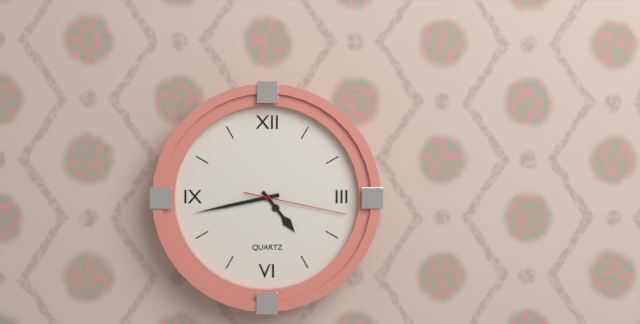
**4:43:17**
